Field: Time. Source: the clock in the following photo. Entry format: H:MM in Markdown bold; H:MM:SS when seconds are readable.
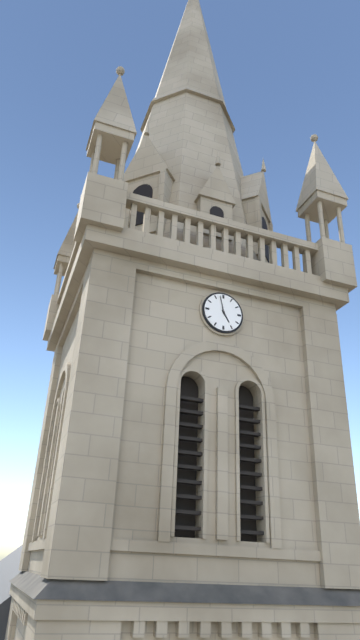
**4:58**
